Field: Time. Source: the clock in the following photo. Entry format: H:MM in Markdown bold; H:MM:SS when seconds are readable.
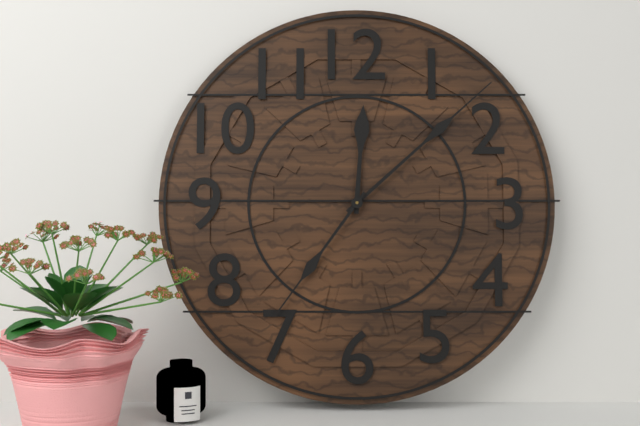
**12:08:36**
